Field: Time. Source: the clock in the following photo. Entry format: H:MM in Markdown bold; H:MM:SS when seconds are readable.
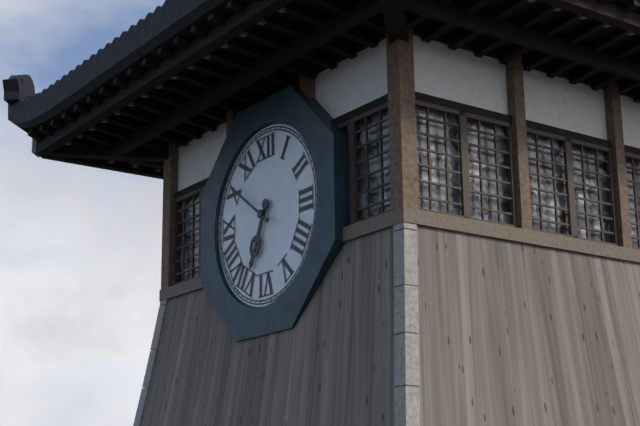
**6:51**
